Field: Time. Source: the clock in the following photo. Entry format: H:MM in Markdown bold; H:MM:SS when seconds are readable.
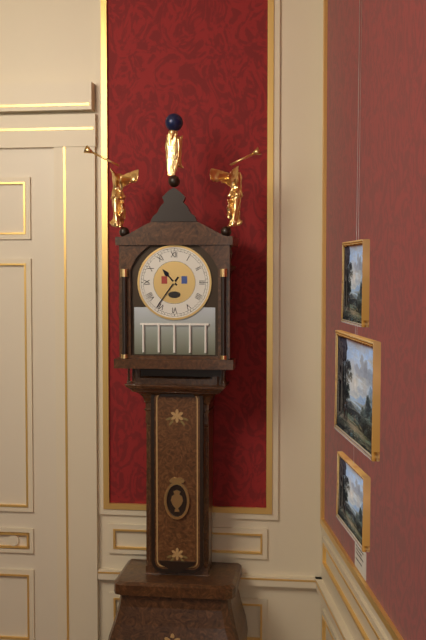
**10:36**
